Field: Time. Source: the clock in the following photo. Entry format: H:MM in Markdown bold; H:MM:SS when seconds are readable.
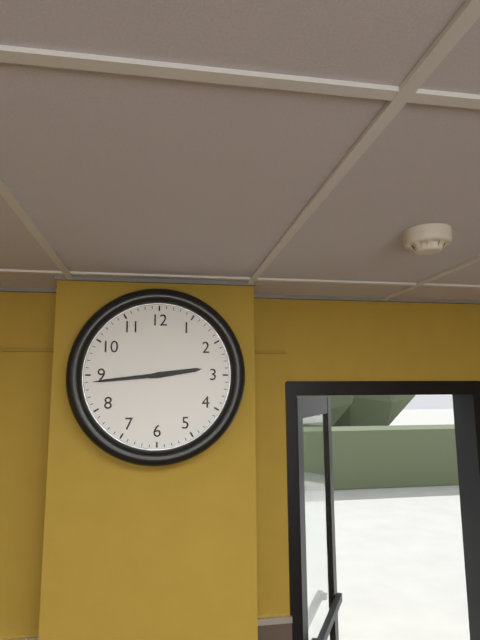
**2:44**
